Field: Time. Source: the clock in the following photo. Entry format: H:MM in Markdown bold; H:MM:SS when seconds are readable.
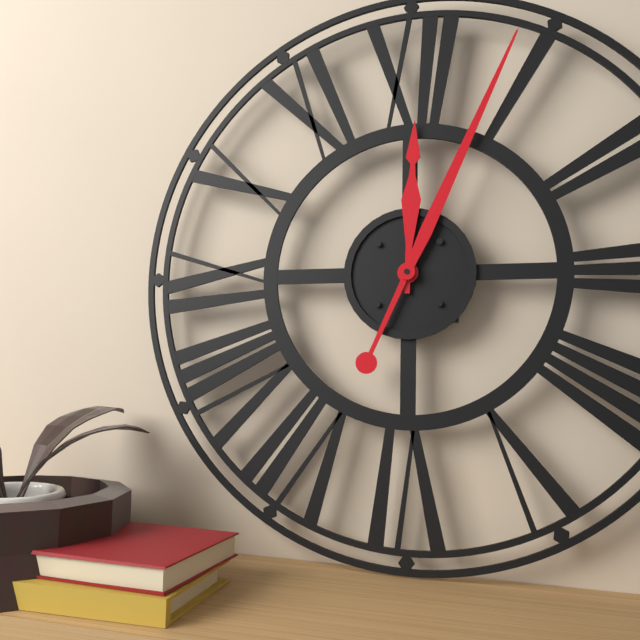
**12:04**
